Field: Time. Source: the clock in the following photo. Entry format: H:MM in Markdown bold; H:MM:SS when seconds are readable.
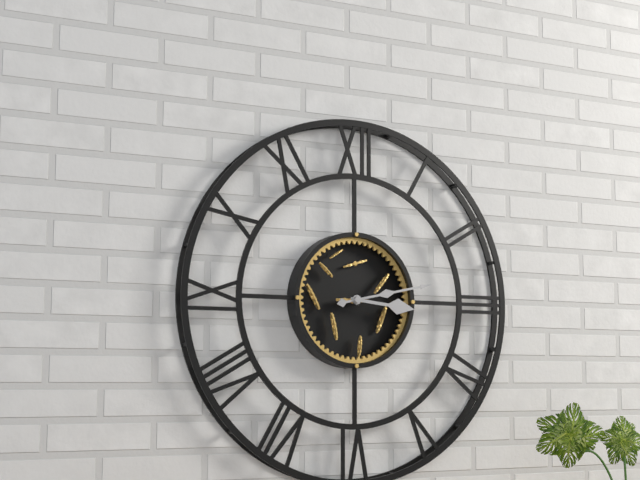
**3:13**
